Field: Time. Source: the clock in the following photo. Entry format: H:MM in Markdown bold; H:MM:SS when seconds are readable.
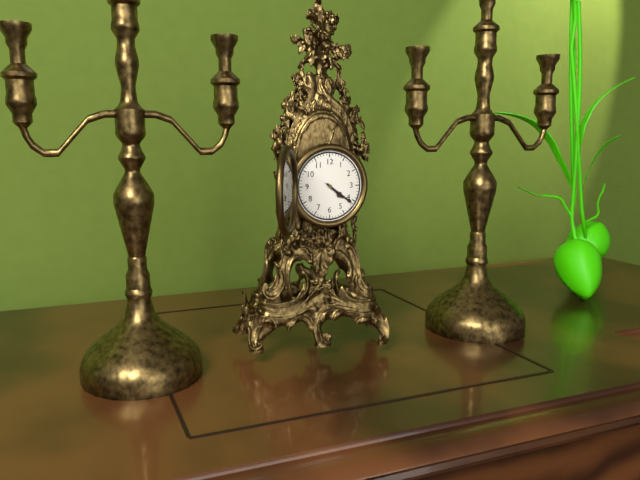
**4:21**
